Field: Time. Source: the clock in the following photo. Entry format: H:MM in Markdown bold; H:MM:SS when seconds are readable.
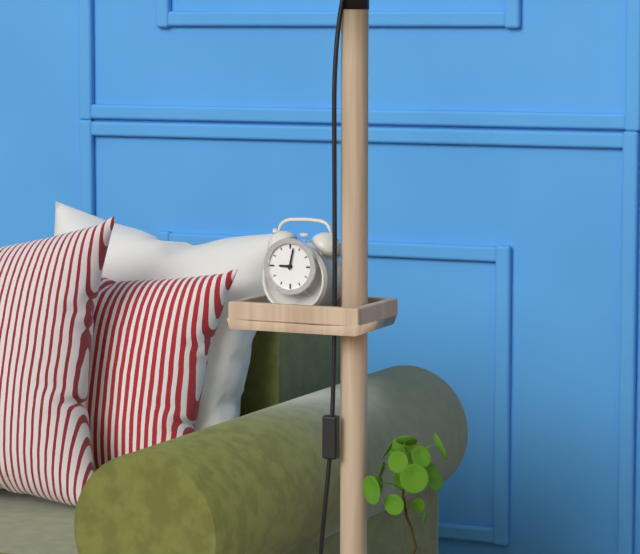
**9:02**
